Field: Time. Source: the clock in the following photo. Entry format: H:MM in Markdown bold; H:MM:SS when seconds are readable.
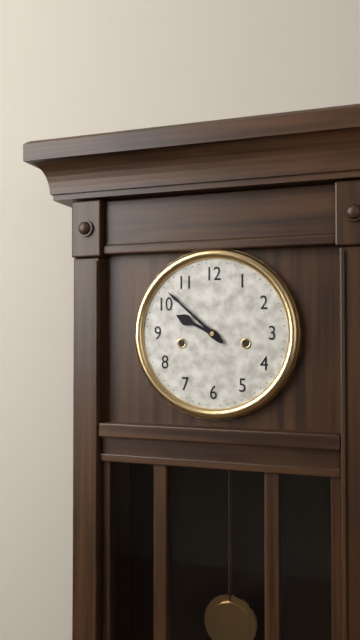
**9:52**
